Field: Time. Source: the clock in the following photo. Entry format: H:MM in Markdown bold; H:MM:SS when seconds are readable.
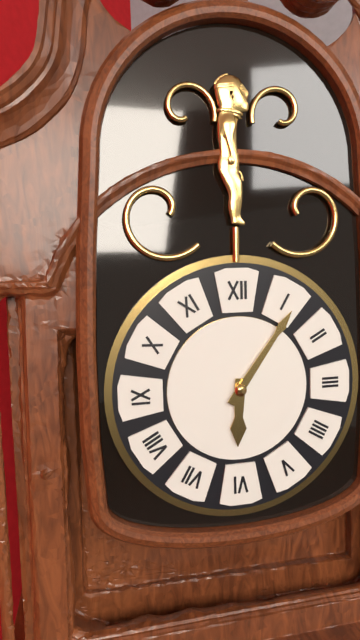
**6:06**
